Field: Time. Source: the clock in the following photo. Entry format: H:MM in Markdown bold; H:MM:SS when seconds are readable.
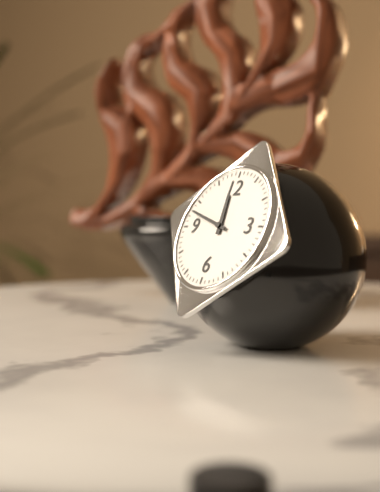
**11:48**
